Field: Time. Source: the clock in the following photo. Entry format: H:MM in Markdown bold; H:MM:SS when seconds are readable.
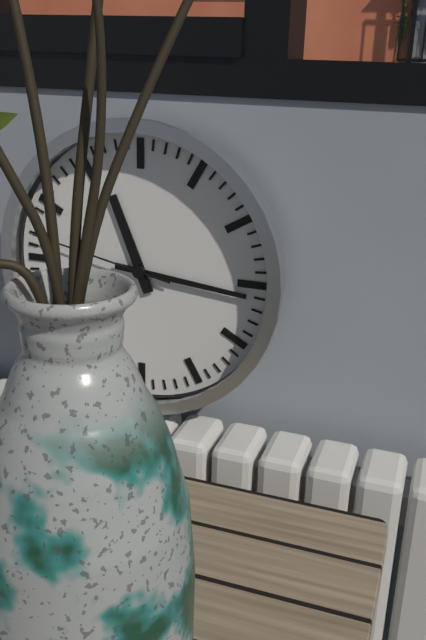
**11:16:47**
